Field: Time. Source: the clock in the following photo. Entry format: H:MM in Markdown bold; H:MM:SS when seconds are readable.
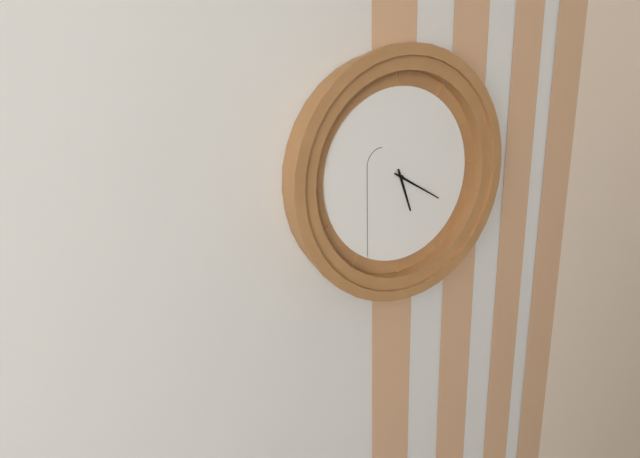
**5:20**
